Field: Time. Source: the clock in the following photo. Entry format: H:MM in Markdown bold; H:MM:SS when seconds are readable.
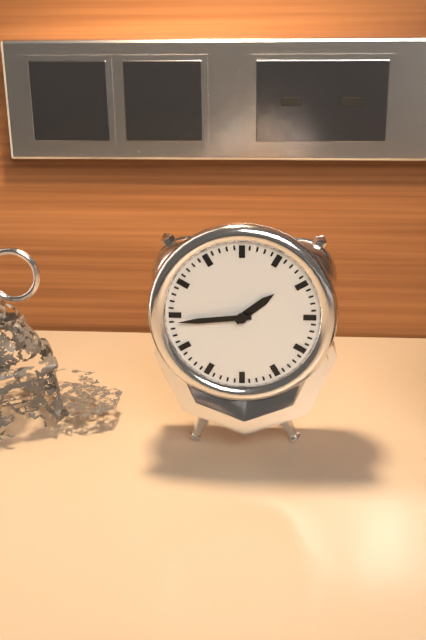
**1:44**
